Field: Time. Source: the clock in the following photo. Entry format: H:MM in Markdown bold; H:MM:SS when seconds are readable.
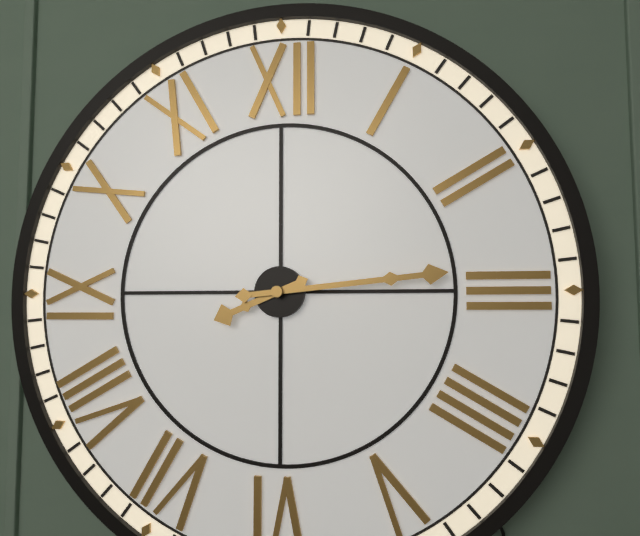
**8:14**
